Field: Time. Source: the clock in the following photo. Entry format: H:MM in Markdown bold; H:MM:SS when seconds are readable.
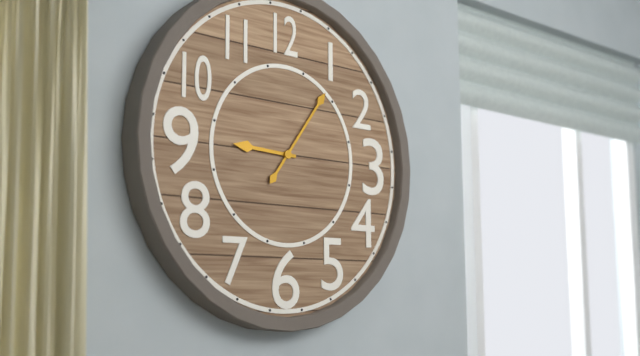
**9:06**
